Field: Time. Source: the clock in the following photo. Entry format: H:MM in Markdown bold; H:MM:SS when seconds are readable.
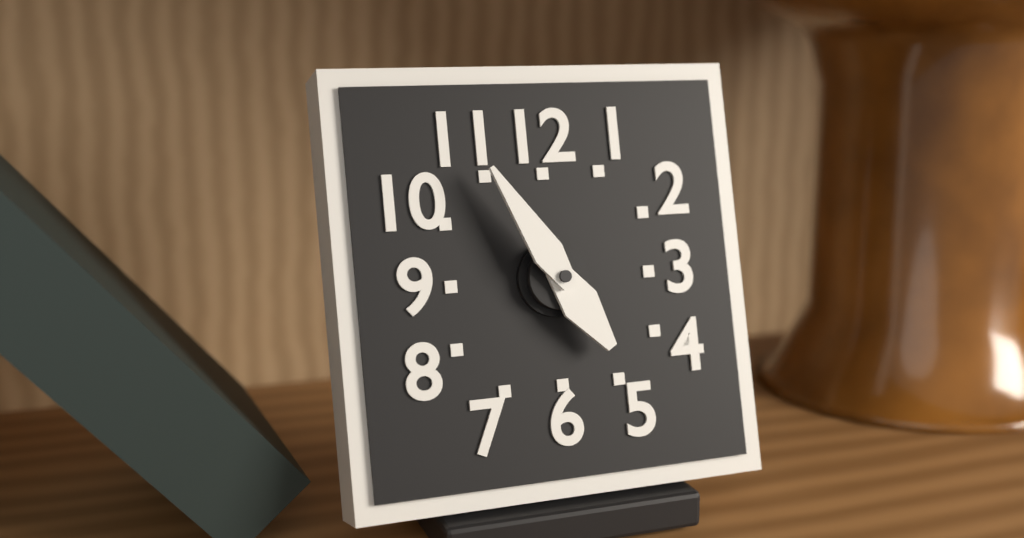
**4:55**
